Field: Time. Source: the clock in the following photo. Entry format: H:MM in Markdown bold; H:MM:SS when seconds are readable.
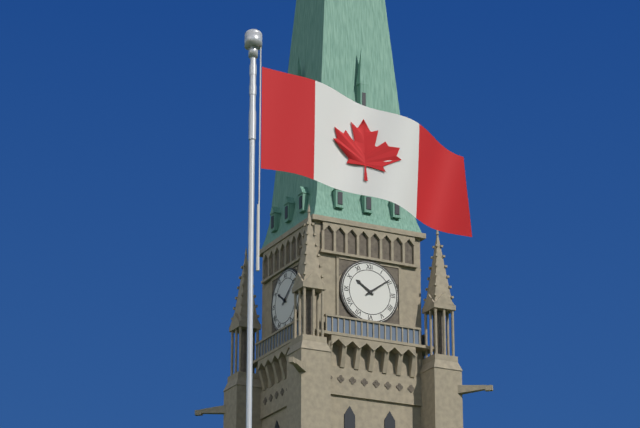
**10:09**
